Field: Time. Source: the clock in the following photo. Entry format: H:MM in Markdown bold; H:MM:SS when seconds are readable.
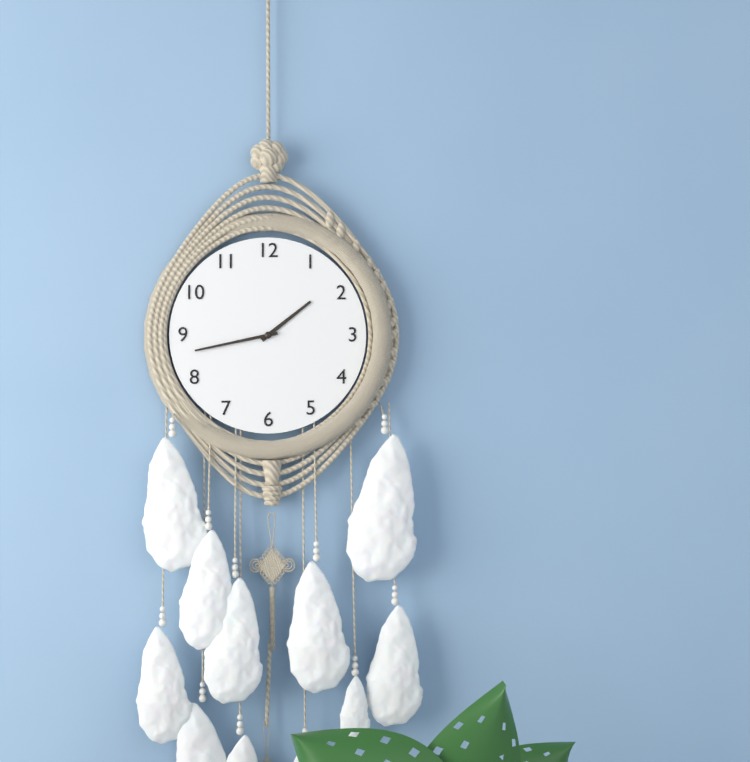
**1:43**
